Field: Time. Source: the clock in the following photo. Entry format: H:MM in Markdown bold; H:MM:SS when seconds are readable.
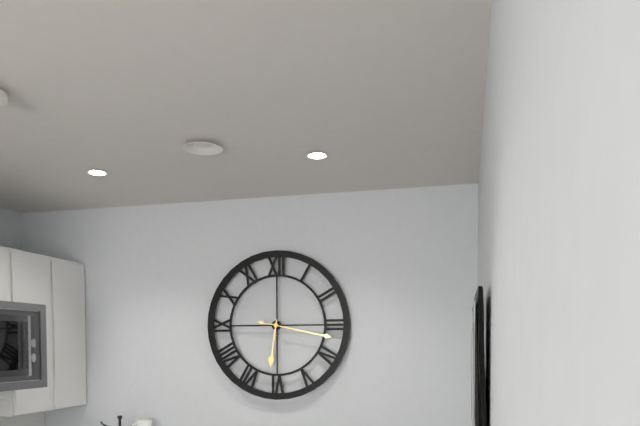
**6:17**
